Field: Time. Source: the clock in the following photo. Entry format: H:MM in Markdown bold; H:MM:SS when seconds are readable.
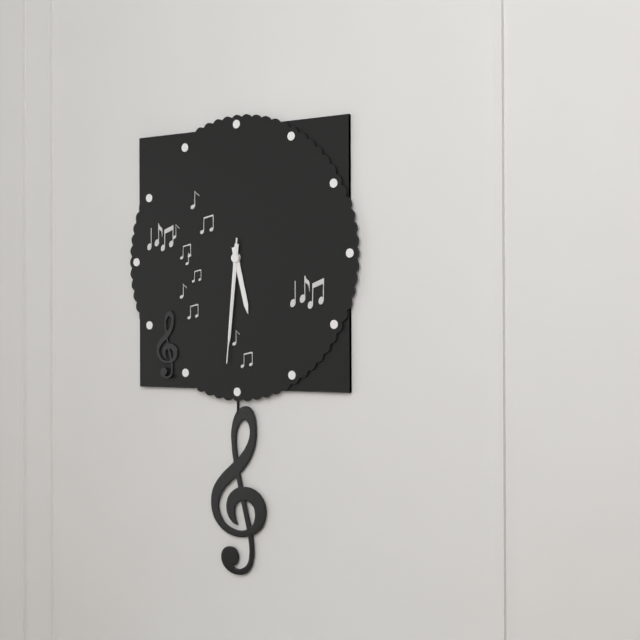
**5:31:31**
